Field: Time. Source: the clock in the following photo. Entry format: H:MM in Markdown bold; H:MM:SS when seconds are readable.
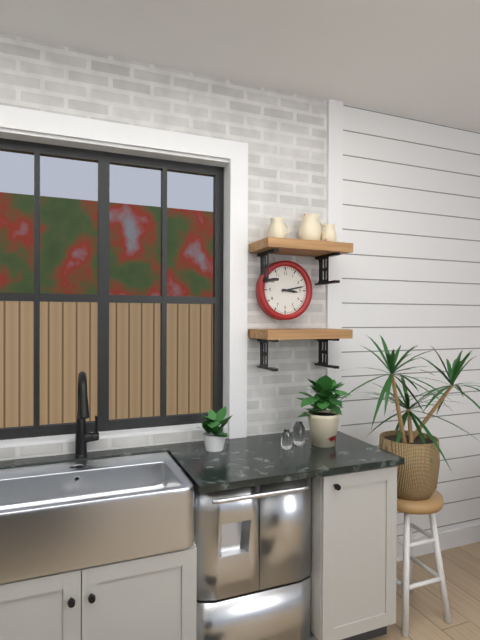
**3:13**
